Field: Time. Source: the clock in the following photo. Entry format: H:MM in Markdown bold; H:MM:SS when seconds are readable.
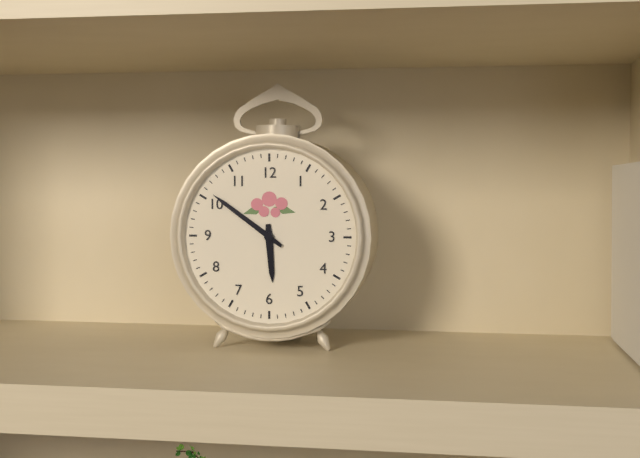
**5:51**
